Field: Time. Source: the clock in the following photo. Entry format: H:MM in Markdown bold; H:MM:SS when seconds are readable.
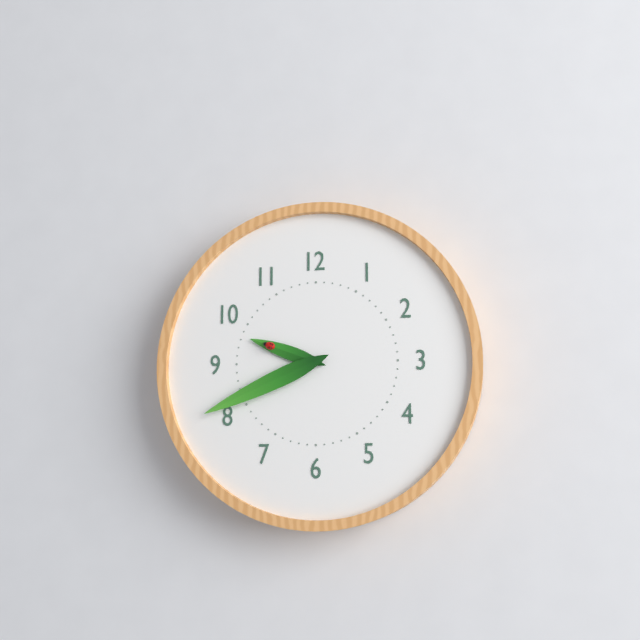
**9:41**
